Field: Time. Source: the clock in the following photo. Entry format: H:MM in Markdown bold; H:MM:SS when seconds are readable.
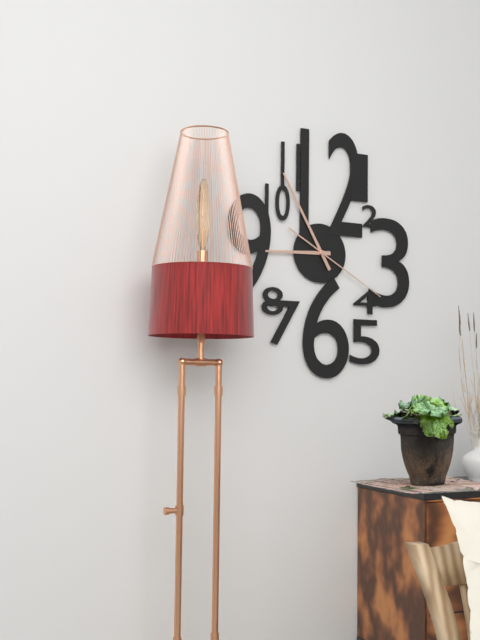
**8:55:20**
